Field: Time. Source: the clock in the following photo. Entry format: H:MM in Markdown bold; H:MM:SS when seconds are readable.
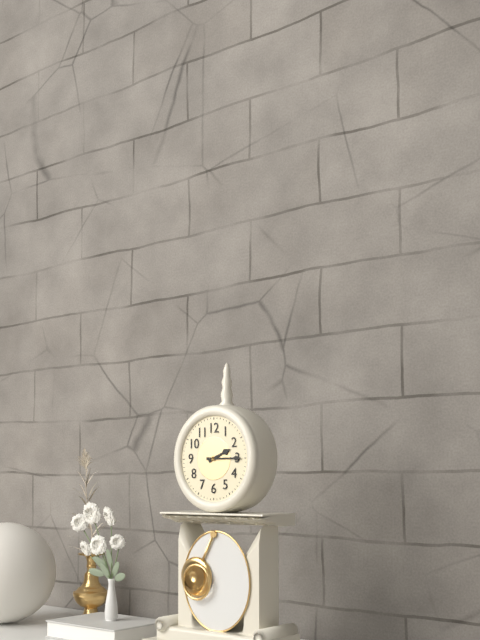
**2:15**
